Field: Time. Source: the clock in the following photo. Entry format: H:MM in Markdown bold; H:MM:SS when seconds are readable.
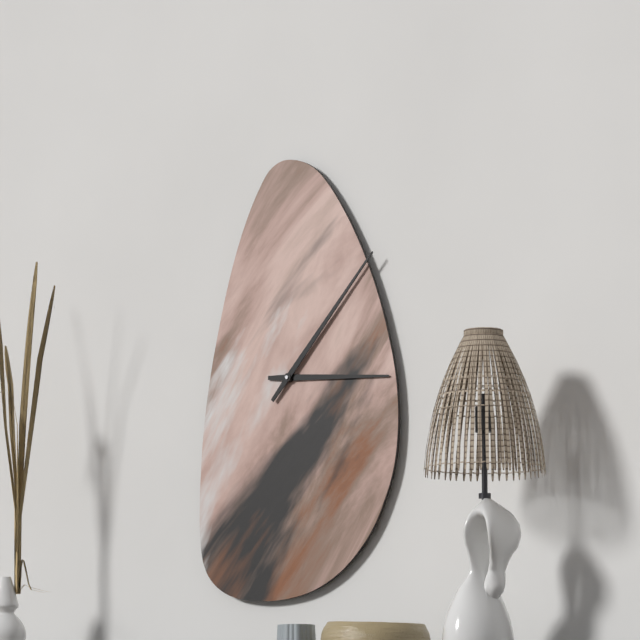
**3:07**
